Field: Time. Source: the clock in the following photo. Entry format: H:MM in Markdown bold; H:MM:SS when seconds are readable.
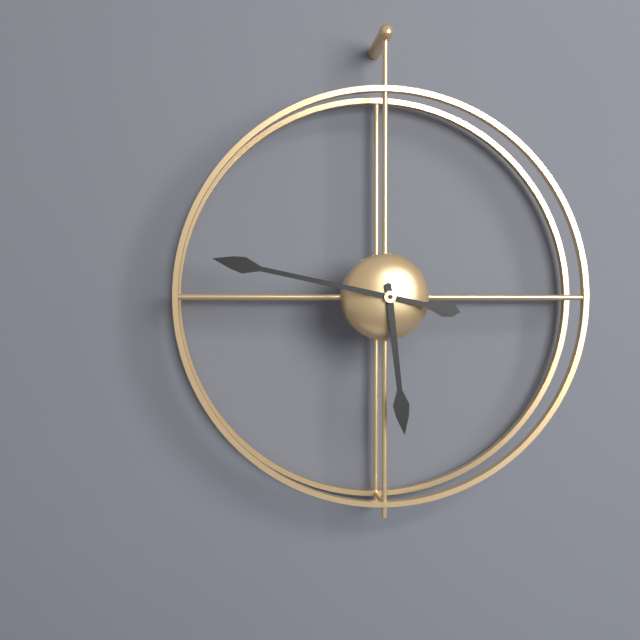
**5:47**
